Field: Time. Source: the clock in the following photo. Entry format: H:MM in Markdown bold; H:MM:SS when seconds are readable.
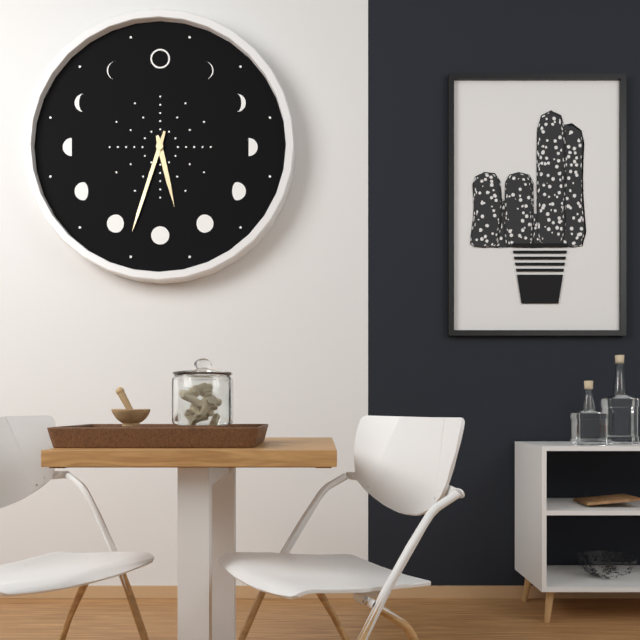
**5:33**
